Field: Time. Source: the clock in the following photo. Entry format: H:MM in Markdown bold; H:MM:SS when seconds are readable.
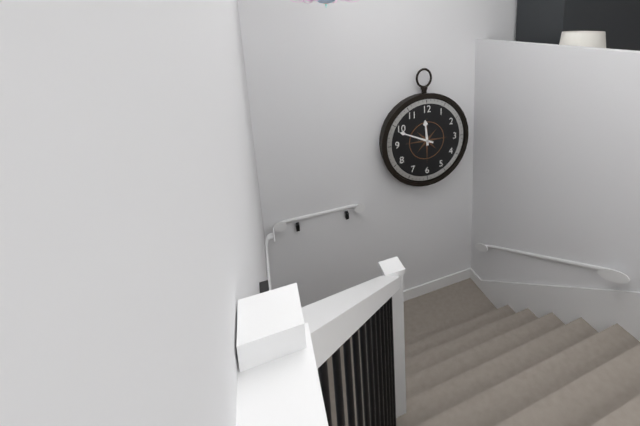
**11:49**
